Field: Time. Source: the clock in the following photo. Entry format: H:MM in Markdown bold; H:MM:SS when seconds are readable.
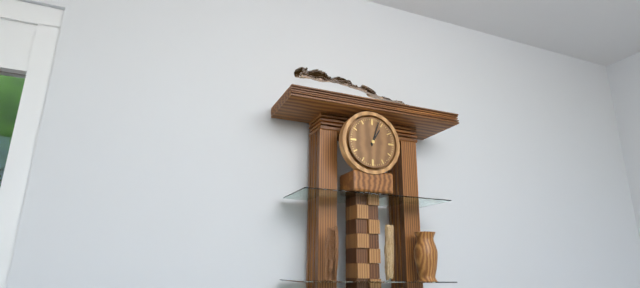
**1:03**
